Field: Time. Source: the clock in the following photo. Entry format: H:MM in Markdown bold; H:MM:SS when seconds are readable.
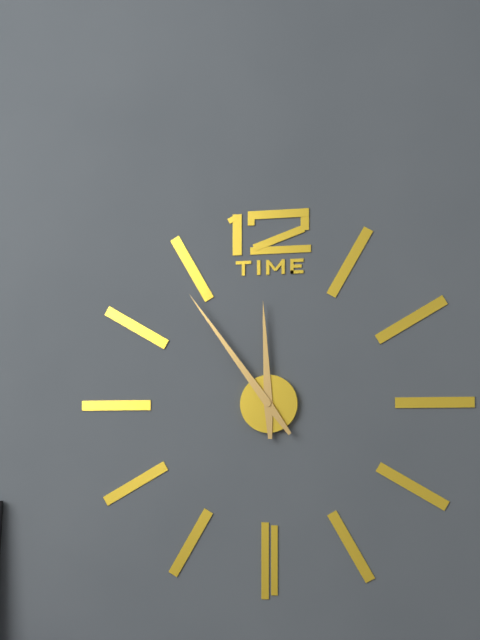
**11:54**
